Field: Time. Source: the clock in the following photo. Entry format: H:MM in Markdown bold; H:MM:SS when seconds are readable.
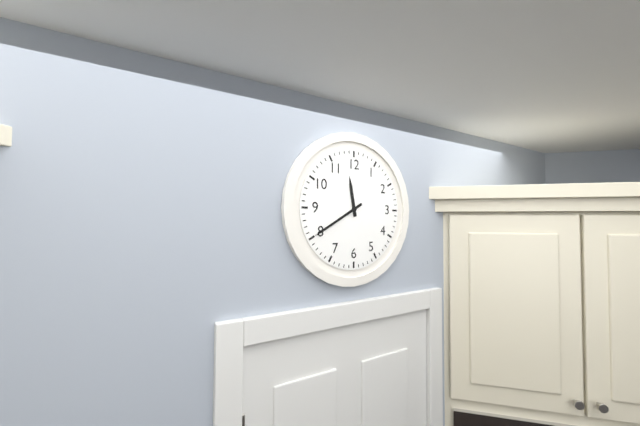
**11:40**
